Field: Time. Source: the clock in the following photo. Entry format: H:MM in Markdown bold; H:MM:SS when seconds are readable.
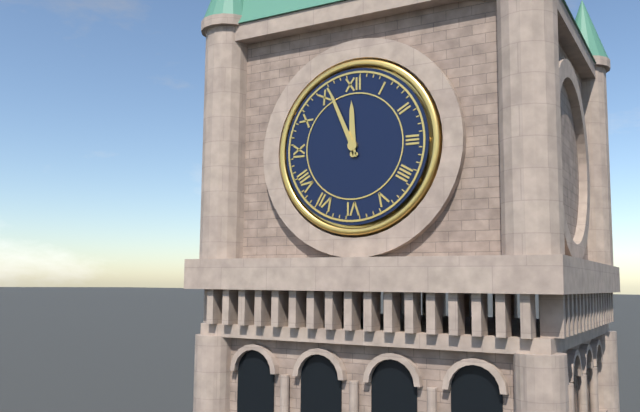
**11:56**
